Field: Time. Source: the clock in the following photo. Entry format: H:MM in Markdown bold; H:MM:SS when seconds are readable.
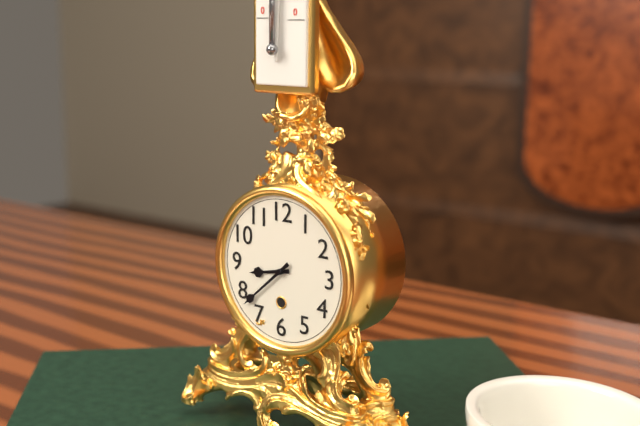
**8:38**
